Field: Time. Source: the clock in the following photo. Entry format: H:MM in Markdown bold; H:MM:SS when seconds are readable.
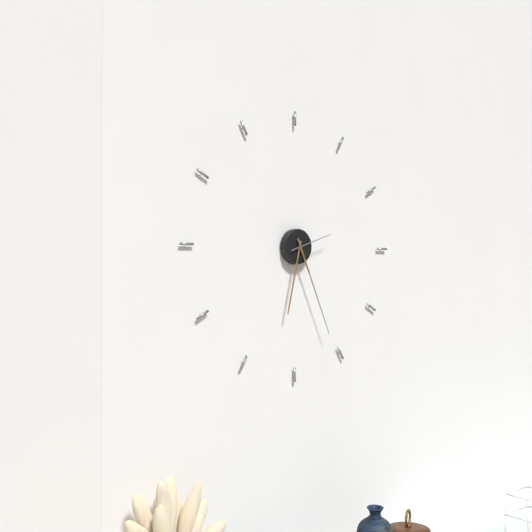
**6:26**
